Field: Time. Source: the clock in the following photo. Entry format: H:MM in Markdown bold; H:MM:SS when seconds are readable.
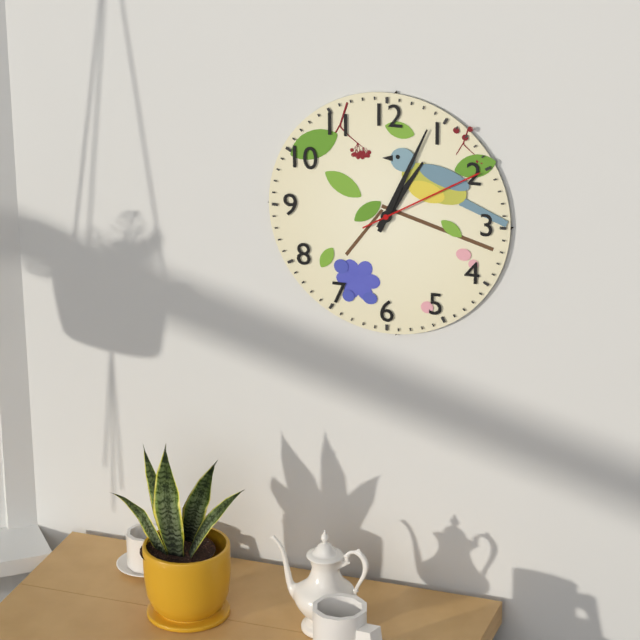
**1:04:10**
